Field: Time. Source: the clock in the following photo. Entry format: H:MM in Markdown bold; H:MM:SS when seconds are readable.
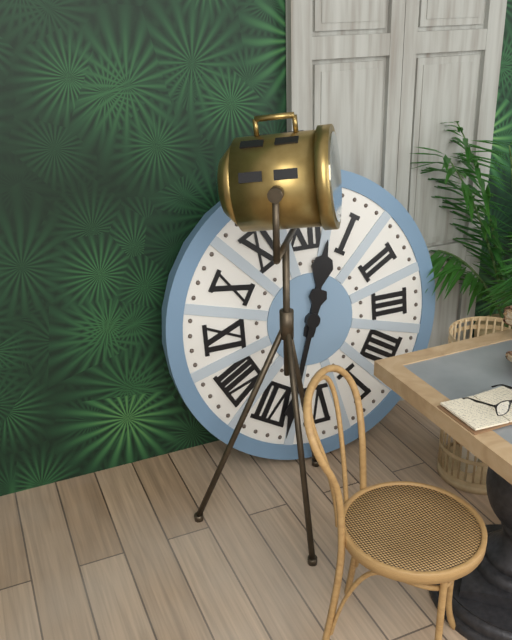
**12:33**
